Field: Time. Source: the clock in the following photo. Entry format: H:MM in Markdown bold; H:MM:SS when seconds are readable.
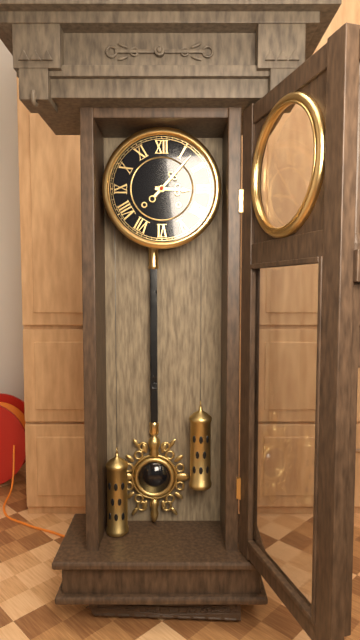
**3:07**
